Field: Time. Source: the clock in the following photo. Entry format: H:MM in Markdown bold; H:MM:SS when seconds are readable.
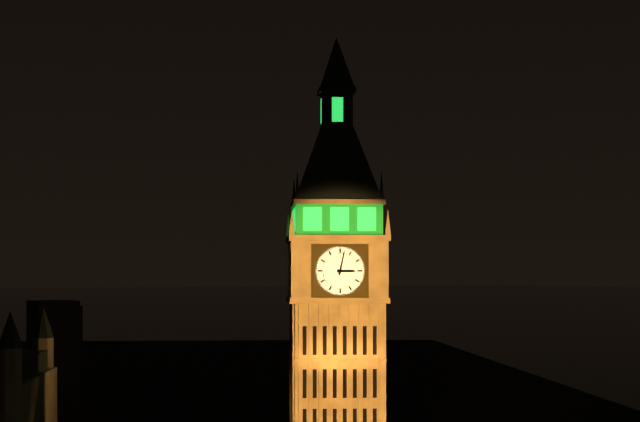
**3:02**
